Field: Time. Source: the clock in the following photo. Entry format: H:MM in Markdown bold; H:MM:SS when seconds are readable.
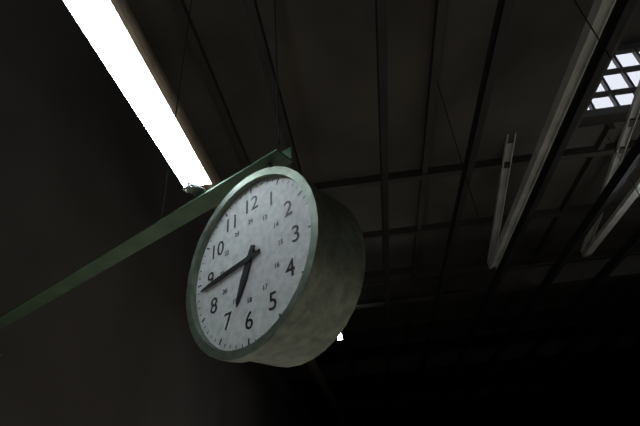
**6:44**
